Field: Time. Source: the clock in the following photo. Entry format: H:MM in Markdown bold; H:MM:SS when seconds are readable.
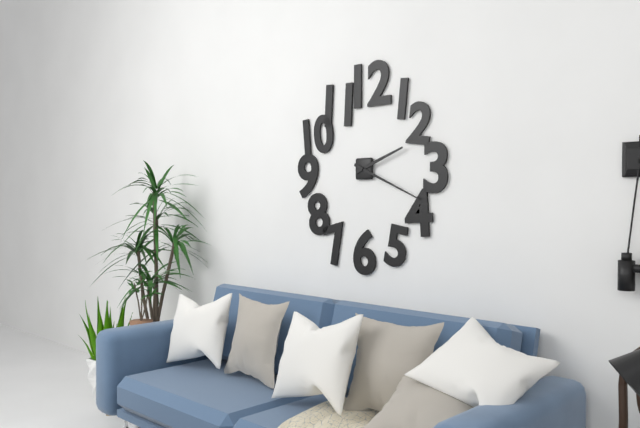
**2:19**
